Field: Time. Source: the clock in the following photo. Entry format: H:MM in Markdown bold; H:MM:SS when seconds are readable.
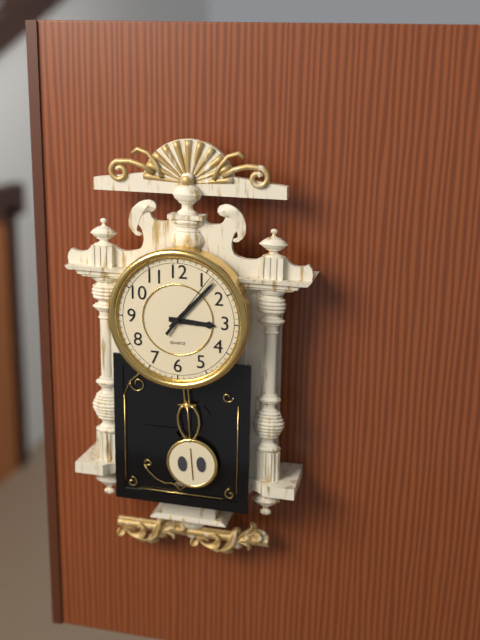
**3:07:06**
